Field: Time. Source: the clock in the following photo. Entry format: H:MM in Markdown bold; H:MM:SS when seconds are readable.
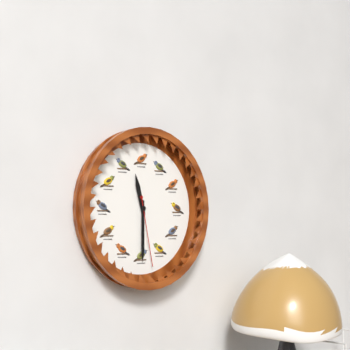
**11:30:28**
